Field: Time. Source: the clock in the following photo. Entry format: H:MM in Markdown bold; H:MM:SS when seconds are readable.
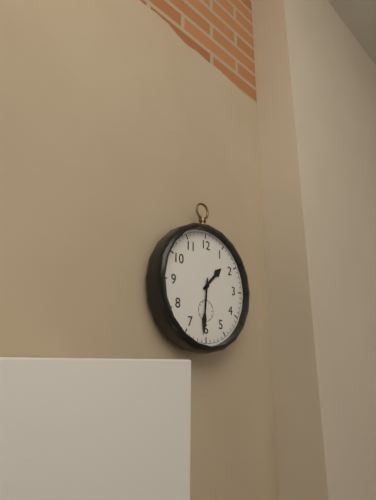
**1:31**
